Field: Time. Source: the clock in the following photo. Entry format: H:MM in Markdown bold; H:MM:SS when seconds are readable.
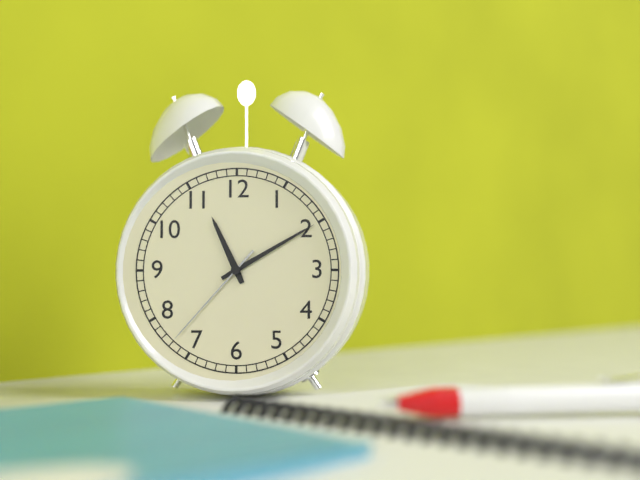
**11:10:37**
